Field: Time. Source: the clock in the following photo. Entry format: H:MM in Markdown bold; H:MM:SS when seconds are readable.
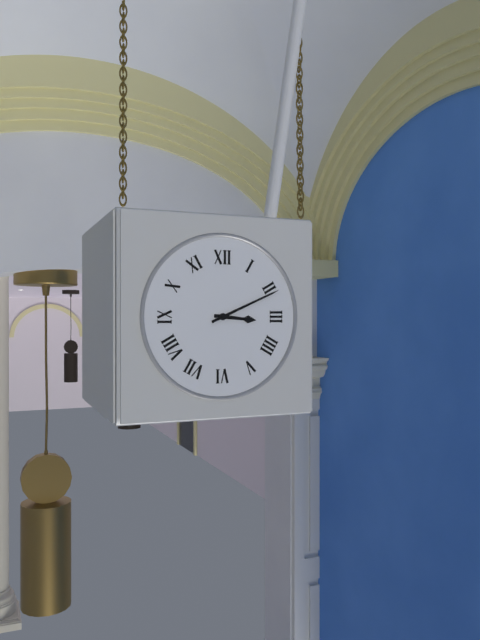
**3:11**
